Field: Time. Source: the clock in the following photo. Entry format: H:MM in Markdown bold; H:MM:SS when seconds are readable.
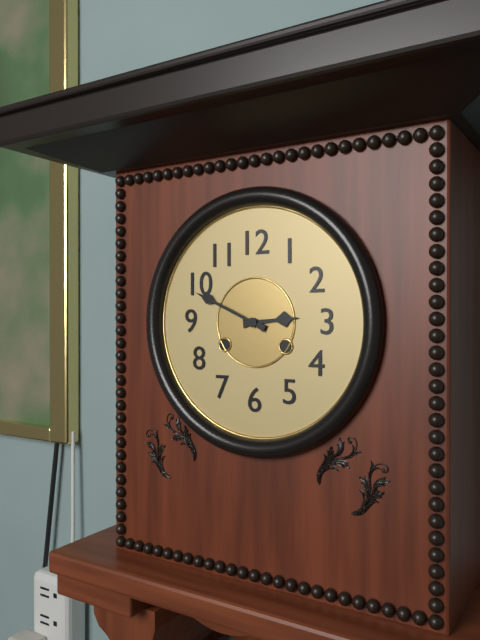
**2:49**
